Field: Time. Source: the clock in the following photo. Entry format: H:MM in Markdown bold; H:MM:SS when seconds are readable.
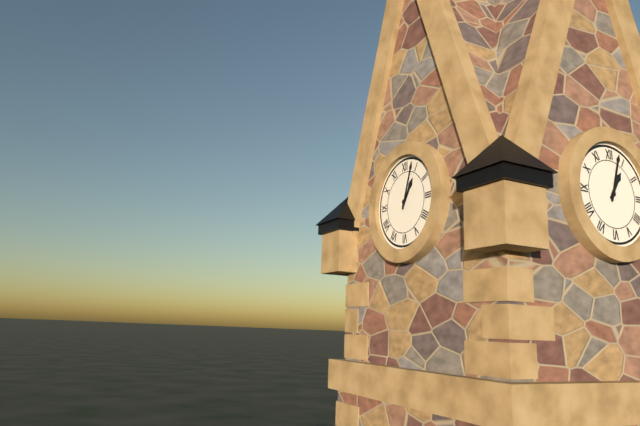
**1:03**
